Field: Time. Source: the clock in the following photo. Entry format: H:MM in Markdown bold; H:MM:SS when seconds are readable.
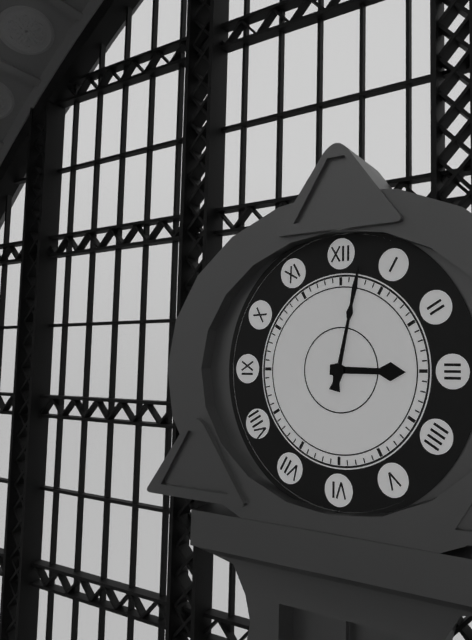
**3:02**
